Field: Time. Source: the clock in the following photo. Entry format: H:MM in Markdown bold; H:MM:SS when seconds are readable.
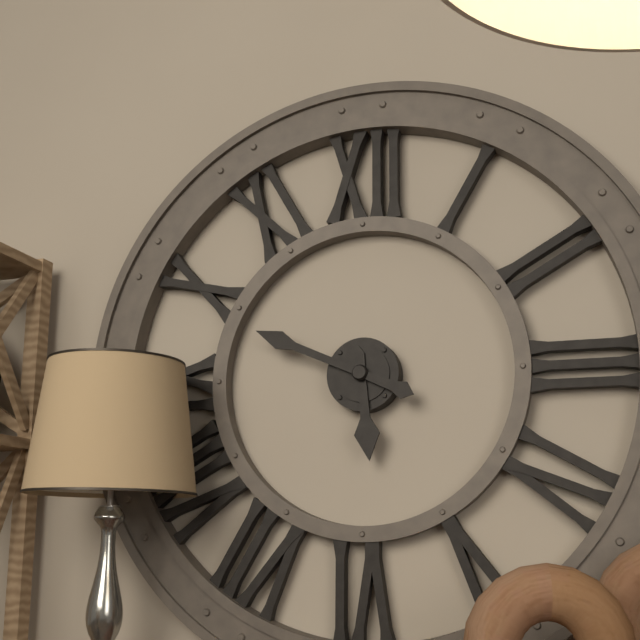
**5:49**
